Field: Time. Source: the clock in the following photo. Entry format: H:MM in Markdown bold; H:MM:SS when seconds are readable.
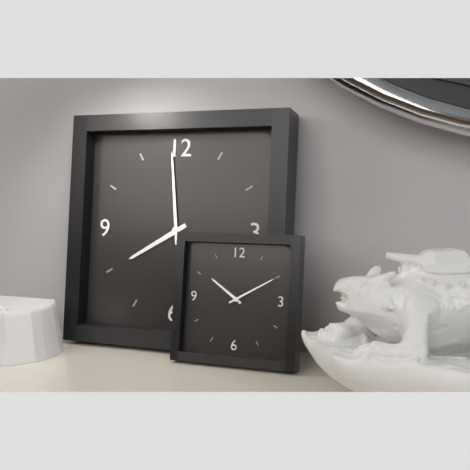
**7:59**
